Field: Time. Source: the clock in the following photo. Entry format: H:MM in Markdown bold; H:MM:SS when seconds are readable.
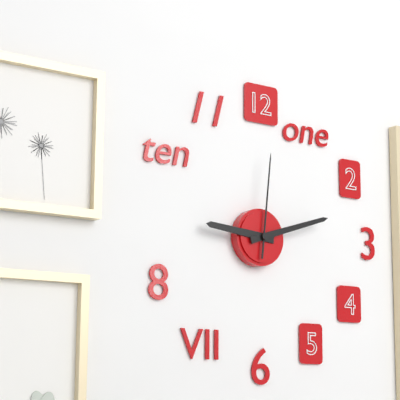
**9:12:01**
